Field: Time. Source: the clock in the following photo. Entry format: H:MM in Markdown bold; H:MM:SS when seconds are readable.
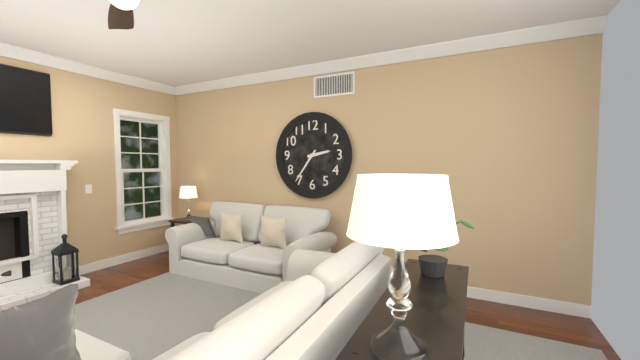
**2:36**
